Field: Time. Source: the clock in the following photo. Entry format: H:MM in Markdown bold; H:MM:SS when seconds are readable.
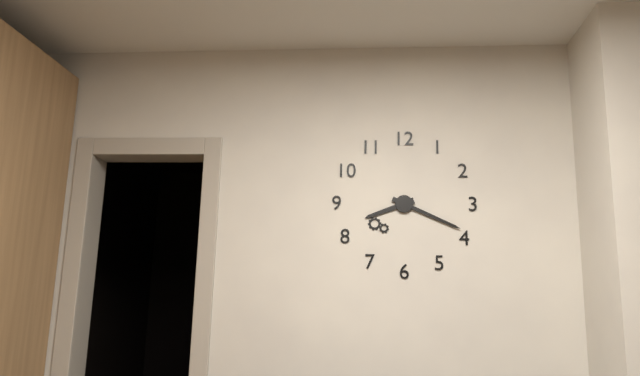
**8:19**
